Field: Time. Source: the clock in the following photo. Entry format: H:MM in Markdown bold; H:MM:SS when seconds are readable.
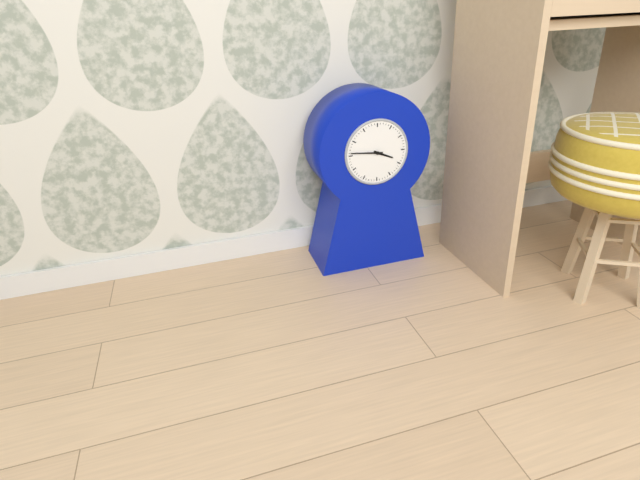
**3:46**
